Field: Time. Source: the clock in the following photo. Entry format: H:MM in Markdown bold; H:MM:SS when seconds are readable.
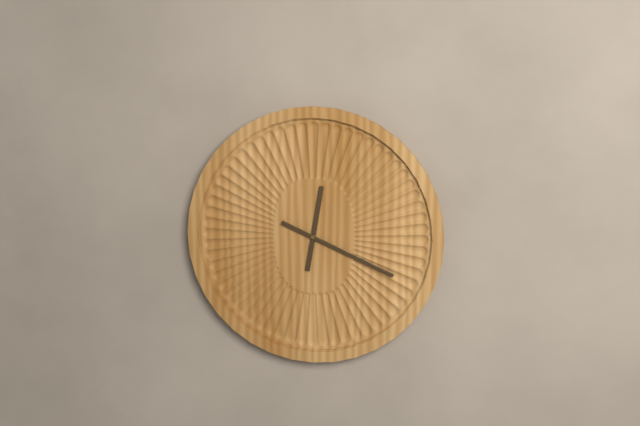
**12:19**
